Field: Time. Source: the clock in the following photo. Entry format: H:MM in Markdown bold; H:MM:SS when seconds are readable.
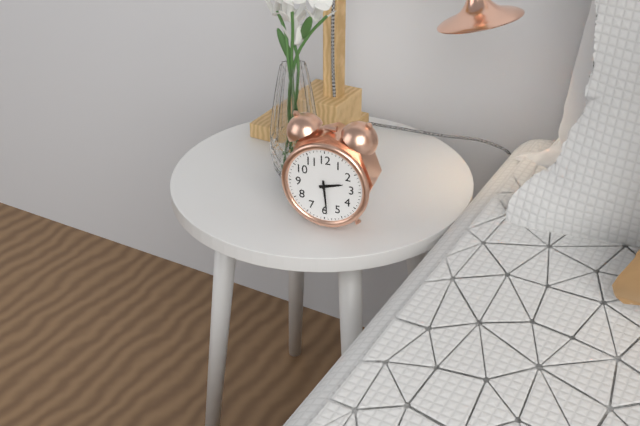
**2:29**
